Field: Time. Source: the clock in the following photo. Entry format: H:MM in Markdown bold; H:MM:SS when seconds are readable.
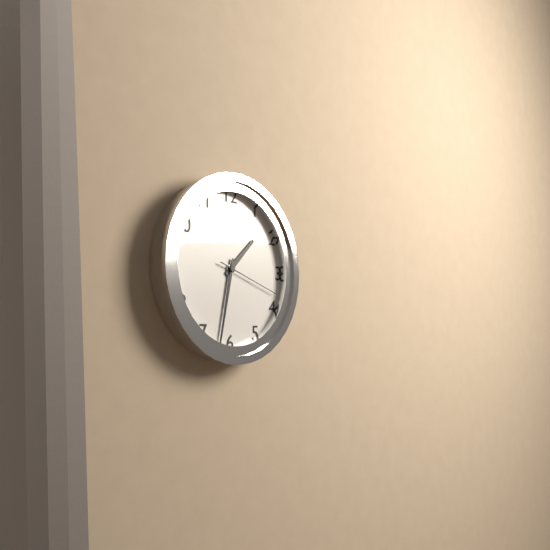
**1:32:18**
